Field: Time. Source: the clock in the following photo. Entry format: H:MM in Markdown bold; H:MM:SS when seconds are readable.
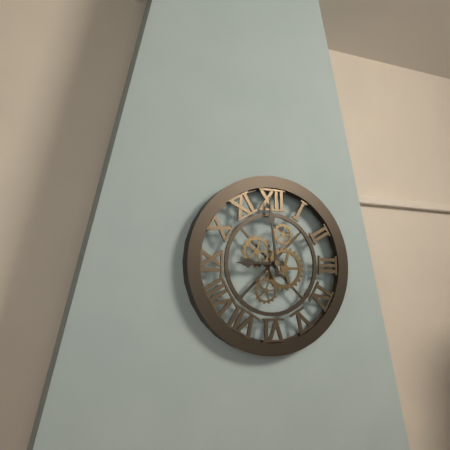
**8:59**
